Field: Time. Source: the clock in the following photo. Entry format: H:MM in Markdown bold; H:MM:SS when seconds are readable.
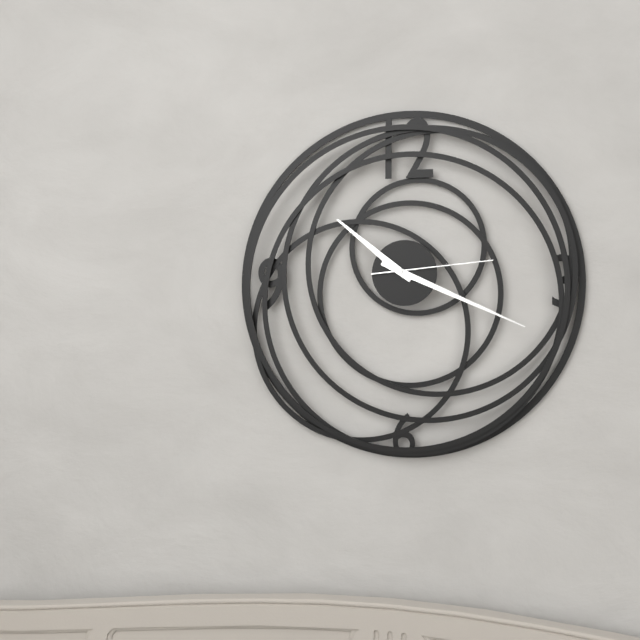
**10:19:14**
